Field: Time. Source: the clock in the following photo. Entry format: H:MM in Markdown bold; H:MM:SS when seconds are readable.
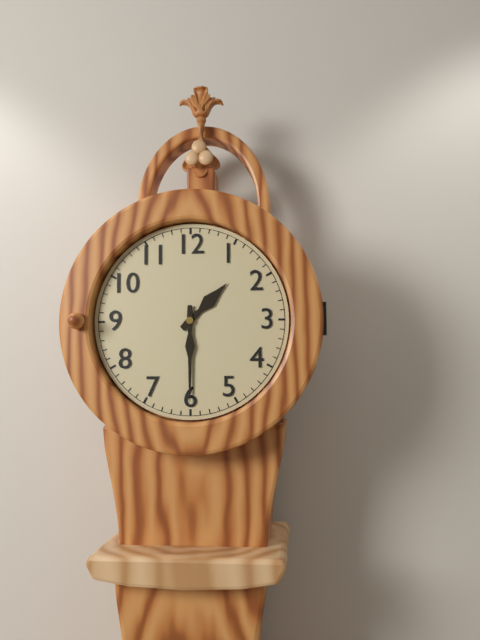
**1:30**
